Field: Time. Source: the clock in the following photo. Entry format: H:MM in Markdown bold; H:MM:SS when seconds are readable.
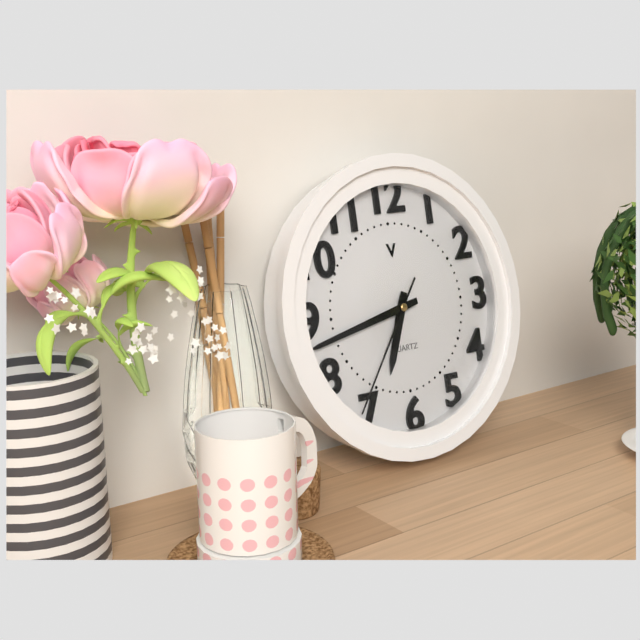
**6:43:36**
